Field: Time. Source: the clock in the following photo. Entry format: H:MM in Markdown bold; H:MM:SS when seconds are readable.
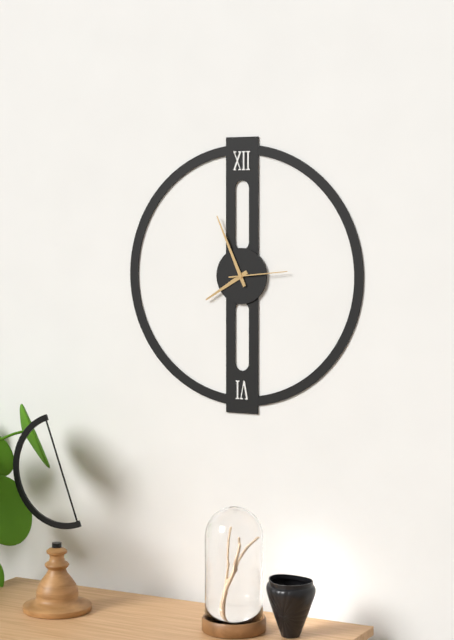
**7:56:14**
